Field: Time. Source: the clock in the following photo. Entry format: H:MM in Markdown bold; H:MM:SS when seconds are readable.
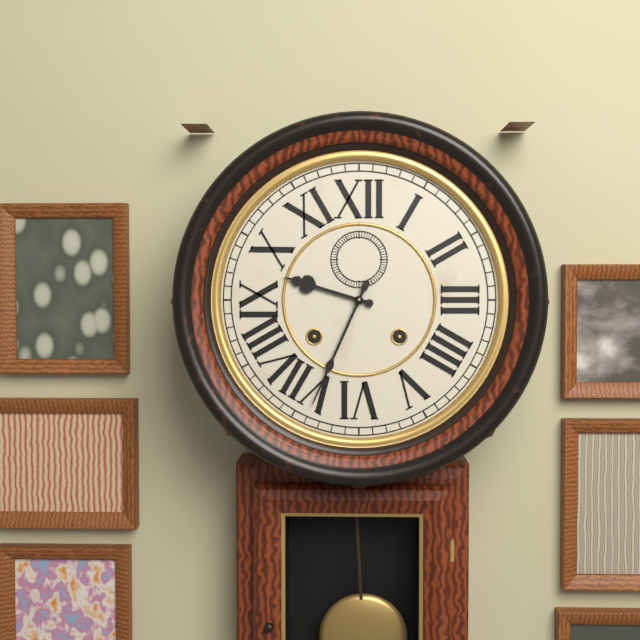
**9:34**
